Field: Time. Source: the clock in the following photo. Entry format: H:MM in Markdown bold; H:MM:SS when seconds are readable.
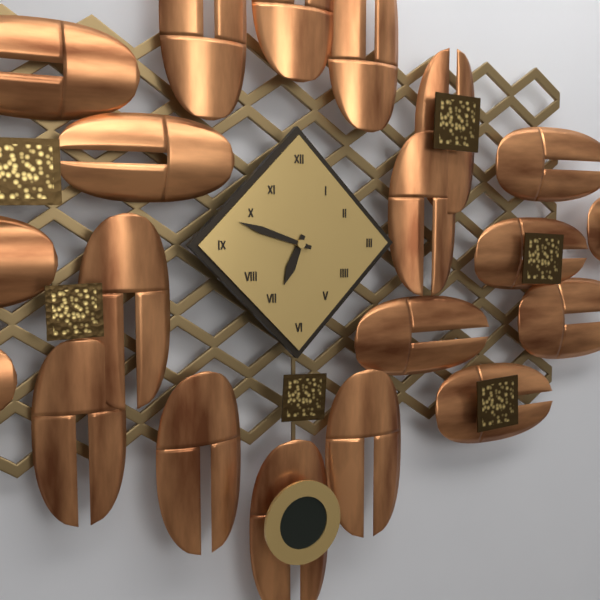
**6:48**
